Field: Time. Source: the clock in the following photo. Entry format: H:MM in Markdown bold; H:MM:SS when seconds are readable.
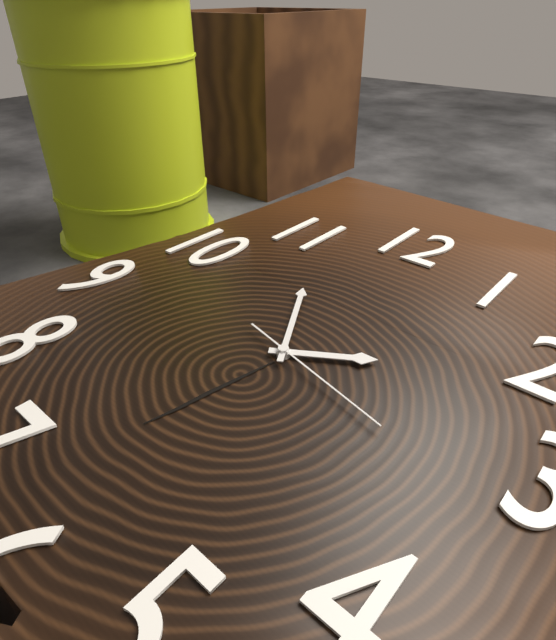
**1:55:17**
